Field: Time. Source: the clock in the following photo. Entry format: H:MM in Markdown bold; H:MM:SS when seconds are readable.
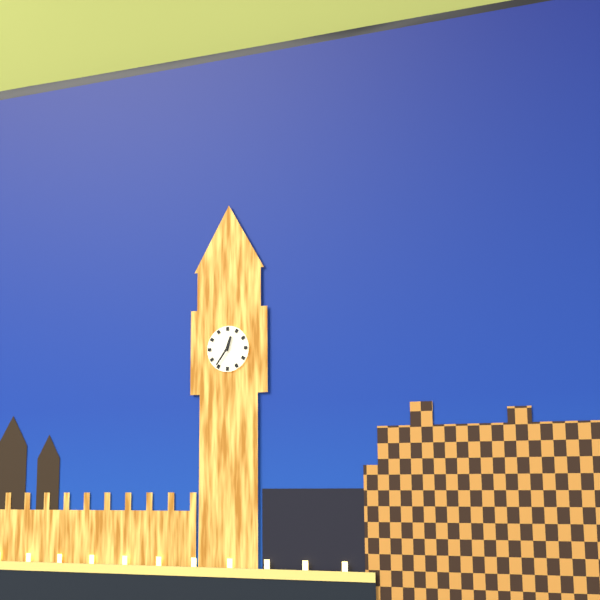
**12:36**
